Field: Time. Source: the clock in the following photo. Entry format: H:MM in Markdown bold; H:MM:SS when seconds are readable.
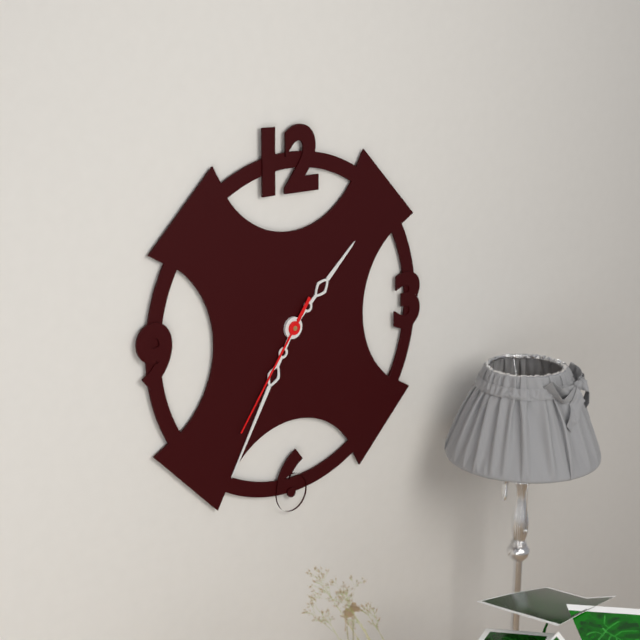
**1:35:36**
